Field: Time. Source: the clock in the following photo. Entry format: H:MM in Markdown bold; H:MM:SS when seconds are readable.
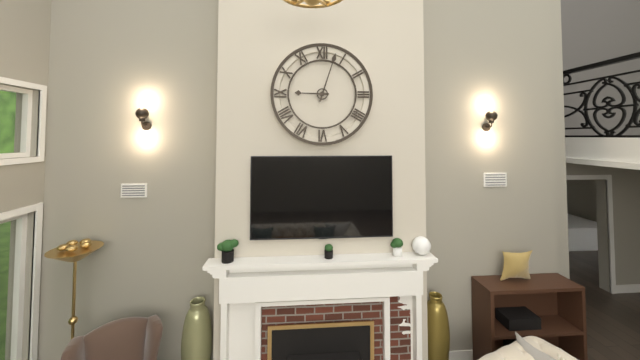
**9:03**
